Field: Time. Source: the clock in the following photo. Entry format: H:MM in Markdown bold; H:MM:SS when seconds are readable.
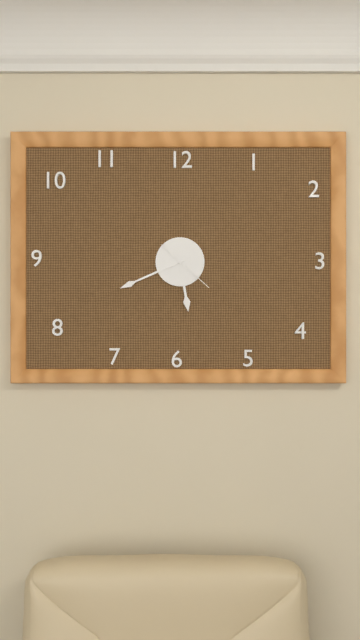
**5:41**
